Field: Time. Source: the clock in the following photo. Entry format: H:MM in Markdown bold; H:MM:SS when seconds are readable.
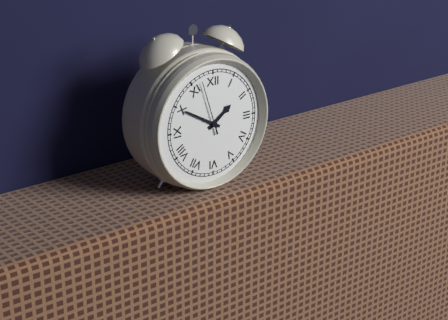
**1:50:57**
